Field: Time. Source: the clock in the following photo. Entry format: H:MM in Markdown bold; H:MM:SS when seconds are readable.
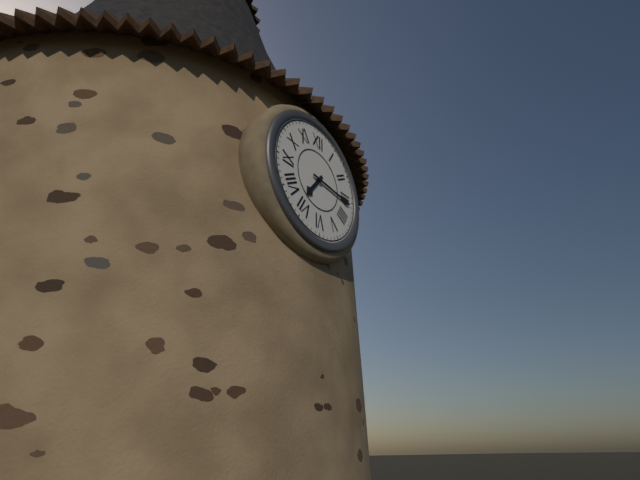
**7:16**
